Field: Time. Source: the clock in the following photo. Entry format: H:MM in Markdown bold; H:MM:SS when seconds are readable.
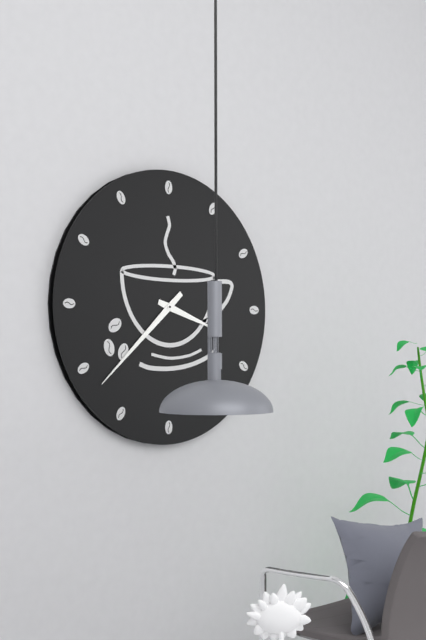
**3:38**
